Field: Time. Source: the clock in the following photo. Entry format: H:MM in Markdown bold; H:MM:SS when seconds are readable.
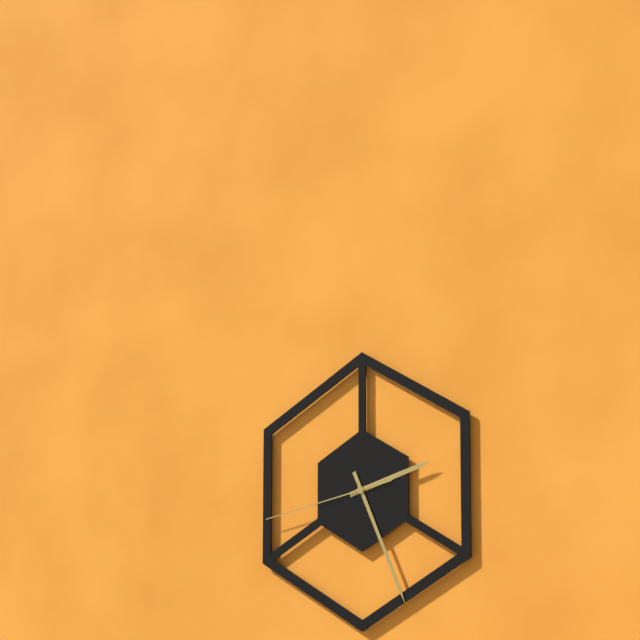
**2:26:43**
